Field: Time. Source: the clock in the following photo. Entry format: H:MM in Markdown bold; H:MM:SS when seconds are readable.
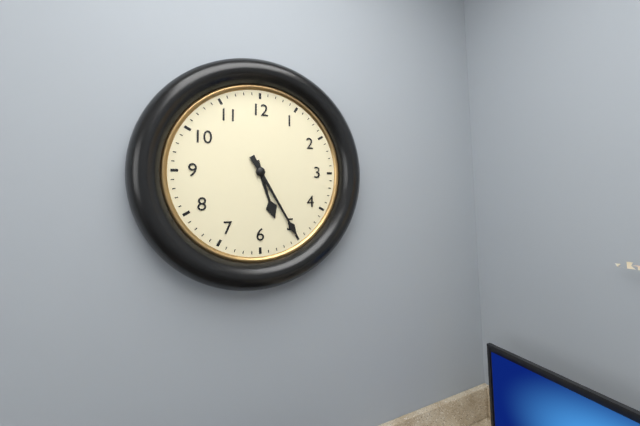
**5:25**
